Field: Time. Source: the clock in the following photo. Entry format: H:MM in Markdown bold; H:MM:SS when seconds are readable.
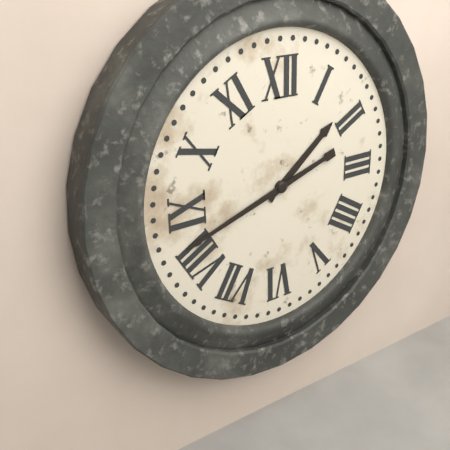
**1:42**
